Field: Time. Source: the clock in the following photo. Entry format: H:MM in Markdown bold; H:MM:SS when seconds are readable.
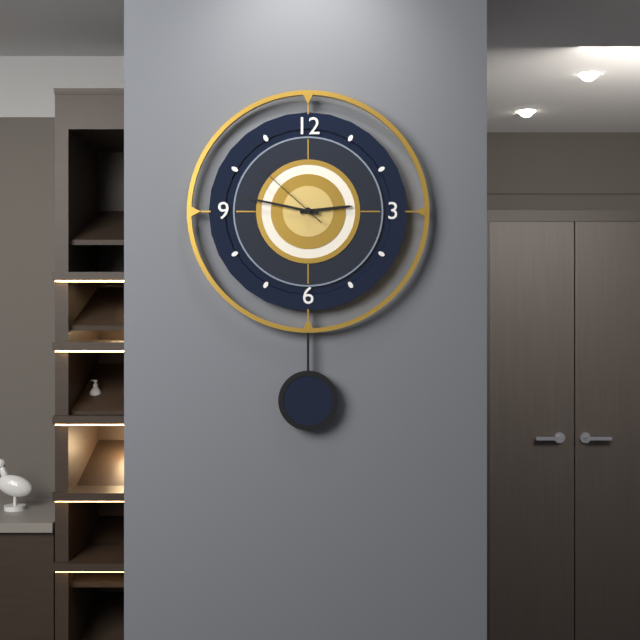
**2:47:52**
